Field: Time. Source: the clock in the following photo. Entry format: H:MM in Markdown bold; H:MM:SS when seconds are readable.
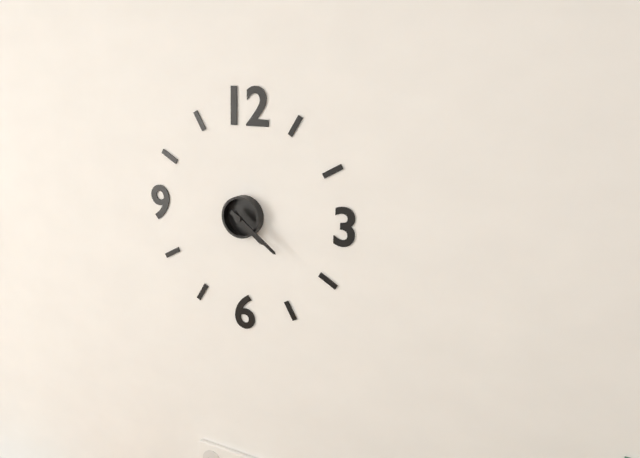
**4:21**
